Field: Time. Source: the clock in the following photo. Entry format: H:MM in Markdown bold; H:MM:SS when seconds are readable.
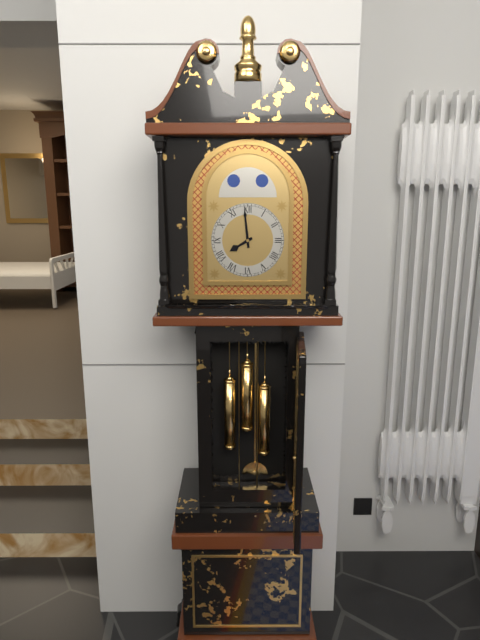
**7:59**
